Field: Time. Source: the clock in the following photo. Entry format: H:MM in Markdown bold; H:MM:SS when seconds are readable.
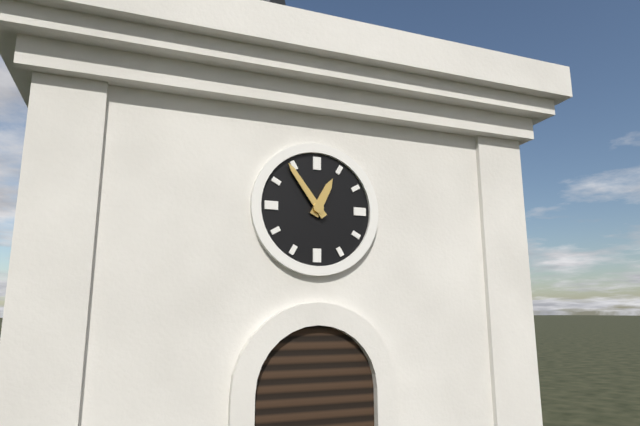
**12:54**
